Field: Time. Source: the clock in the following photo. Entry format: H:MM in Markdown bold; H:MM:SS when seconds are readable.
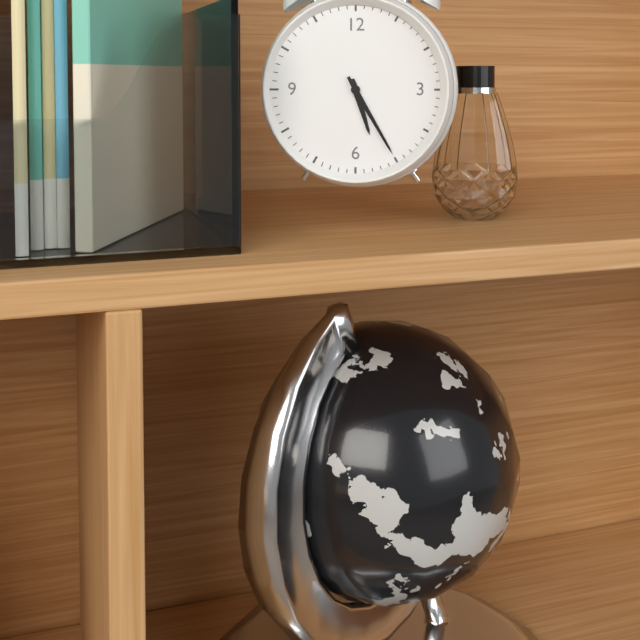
**5:25**
